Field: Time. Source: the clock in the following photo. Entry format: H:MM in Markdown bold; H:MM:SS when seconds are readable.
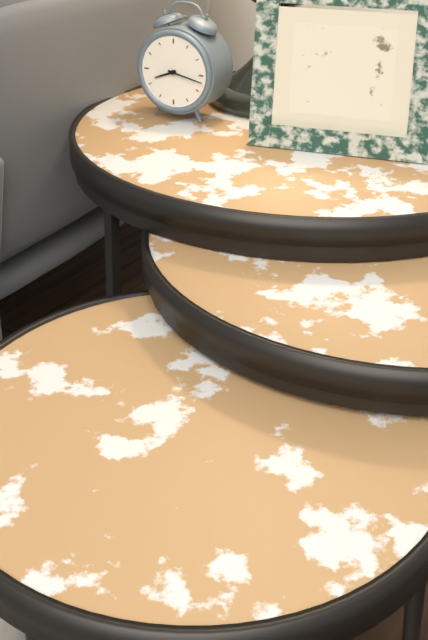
**8:17**
